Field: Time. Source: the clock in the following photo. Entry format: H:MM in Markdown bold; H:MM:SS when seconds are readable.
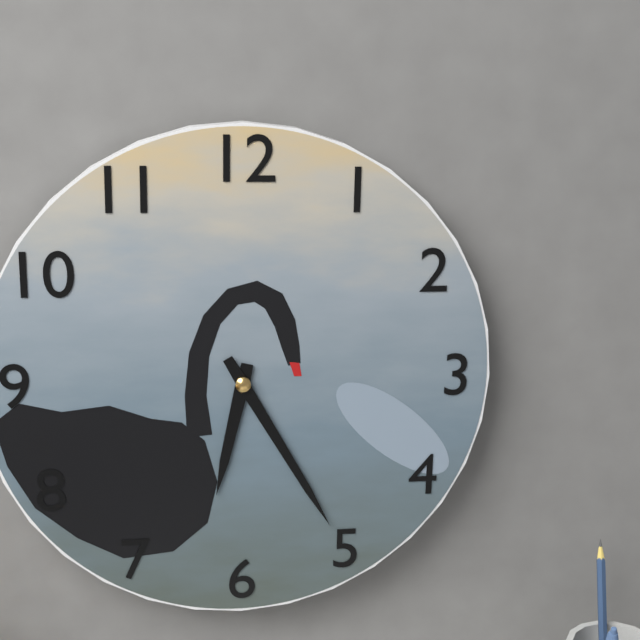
**6:25**
